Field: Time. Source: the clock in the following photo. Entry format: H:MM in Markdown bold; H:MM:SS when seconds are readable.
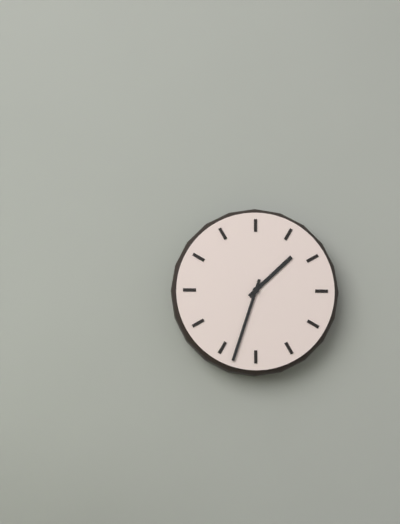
**1:33**
